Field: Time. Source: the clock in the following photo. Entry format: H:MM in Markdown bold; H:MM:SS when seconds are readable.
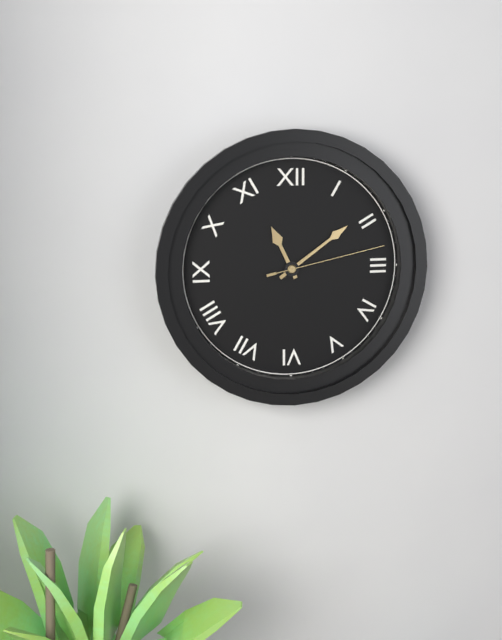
**11:09:13**
